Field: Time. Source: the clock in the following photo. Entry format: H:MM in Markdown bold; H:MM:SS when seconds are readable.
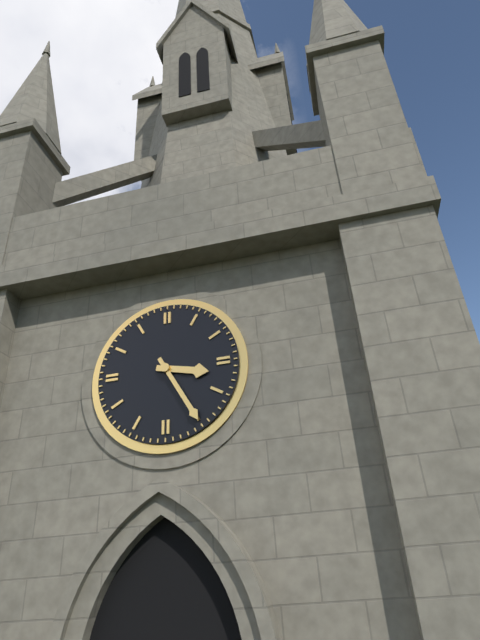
**3:25**
